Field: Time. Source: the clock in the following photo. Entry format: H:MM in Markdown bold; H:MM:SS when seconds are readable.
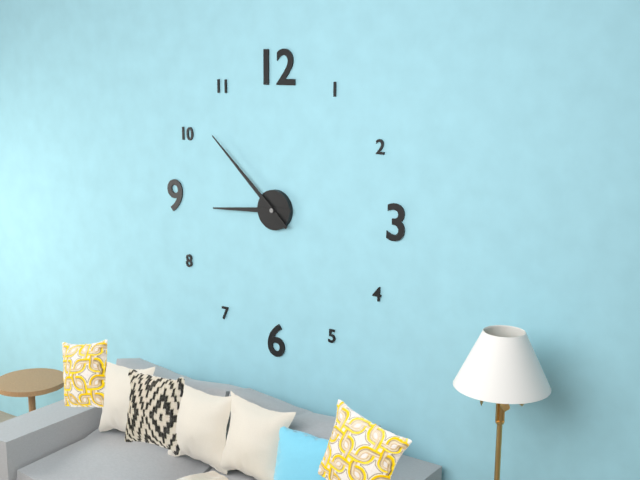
**8:52**
